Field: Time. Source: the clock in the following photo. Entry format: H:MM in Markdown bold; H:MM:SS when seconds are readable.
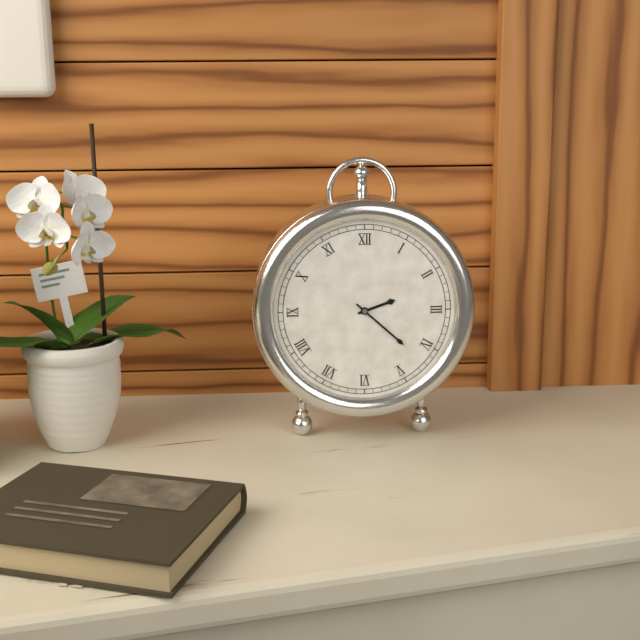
**2:22**
